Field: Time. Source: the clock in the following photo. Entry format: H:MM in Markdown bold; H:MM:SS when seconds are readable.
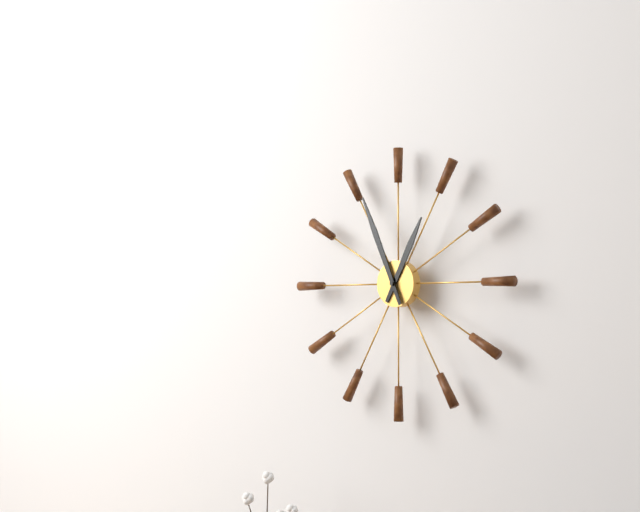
**12:56**
